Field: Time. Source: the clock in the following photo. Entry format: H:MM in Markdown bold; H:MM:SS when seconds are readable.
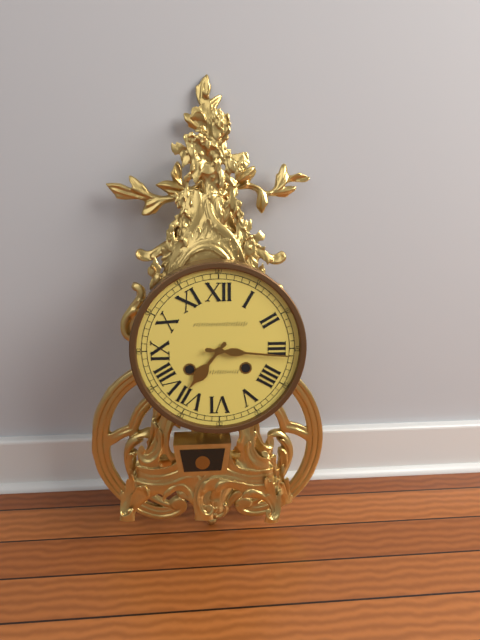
**7:16**
